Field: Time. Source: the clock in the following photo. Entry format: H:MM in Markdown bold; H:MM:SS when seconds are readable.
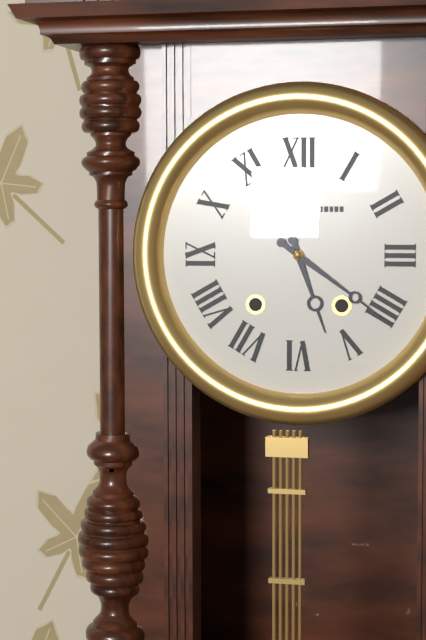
**5:21**
